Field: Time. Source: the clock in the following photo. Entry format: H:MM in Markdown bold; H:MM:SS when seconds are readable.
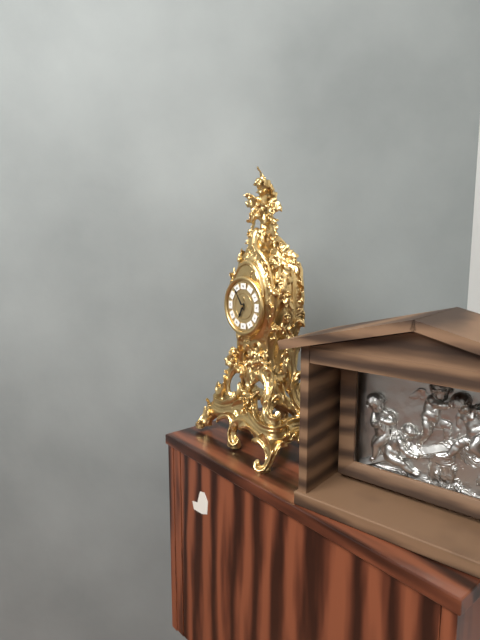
**6:54**
